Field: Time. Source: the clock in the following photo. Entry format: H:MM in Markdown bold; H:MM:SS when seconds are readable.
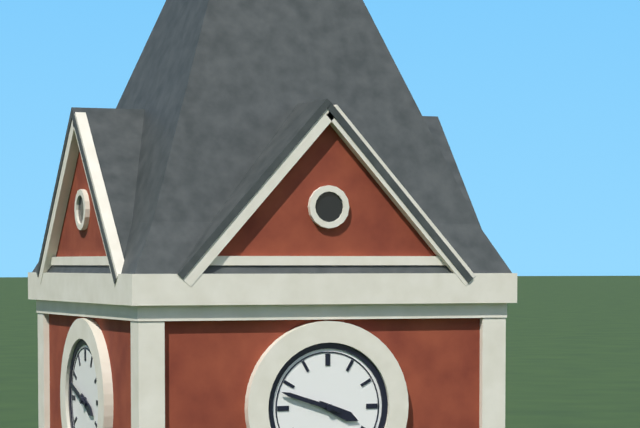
**3:48**
